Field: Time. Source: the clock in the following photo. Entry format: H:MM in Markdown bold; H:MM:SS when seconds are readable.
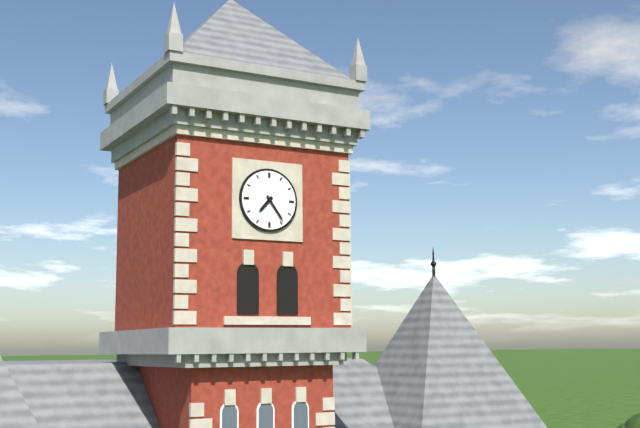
**7:24**
